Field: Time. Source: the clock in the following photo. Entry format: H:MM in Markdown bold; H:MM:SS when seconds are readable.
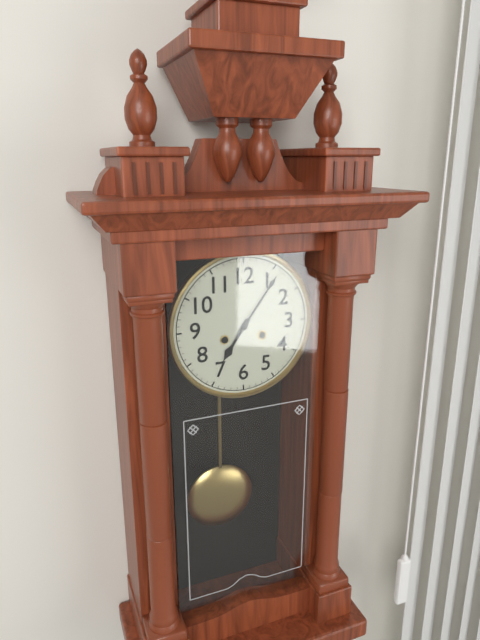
**7:06**
